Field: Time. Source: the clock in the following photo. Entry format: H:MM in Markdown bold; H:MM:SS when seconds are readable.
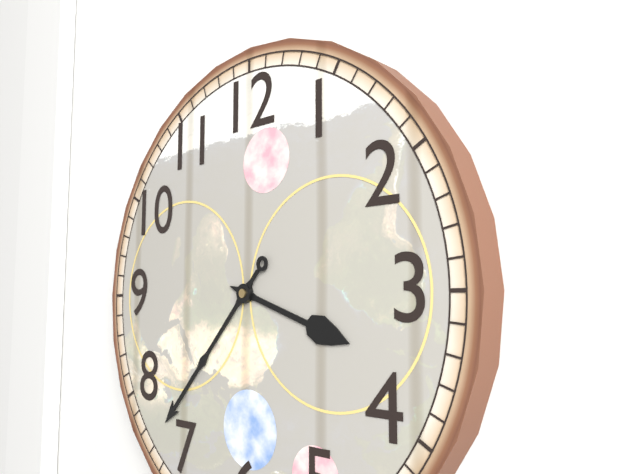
**3:37**
